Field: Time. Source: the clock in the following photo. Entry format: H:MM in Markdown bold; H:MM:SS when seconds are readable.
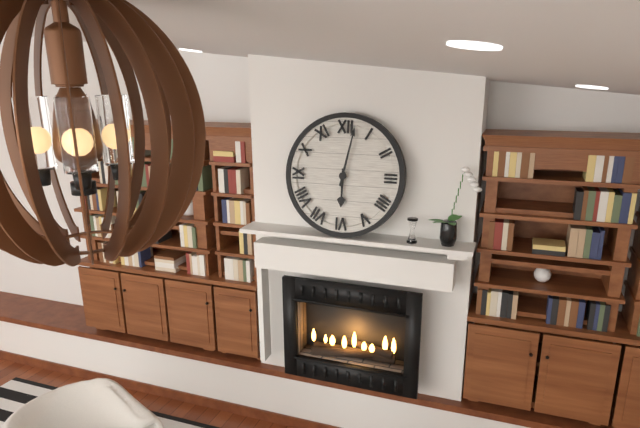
**6:02**
